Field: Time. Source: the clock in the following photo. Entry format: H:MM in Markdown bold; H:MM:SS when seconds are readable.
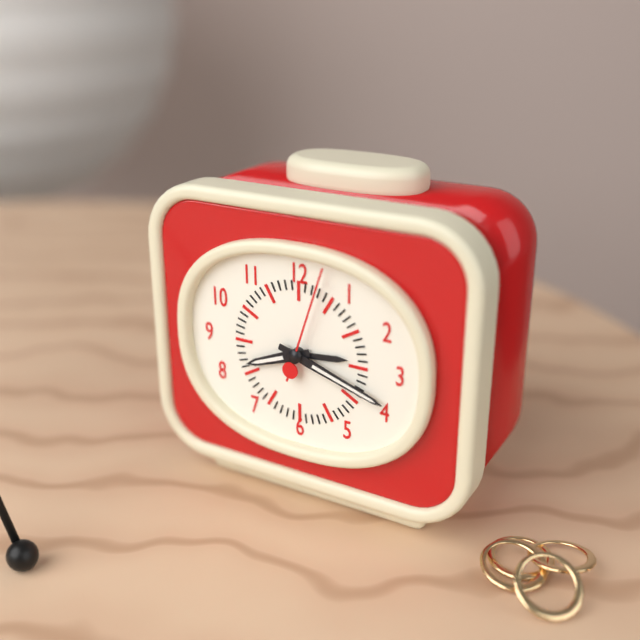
**8:18:03**
